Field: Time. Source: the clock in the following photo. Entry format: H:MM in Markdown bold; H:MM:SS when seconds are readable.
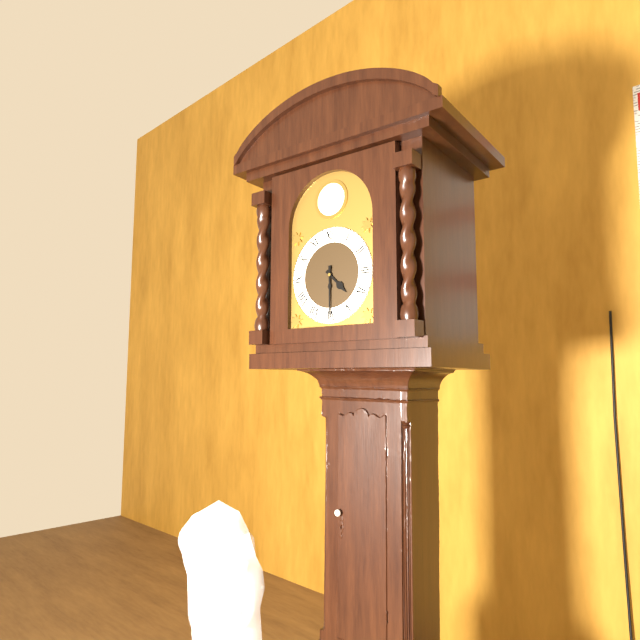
**4:30**
